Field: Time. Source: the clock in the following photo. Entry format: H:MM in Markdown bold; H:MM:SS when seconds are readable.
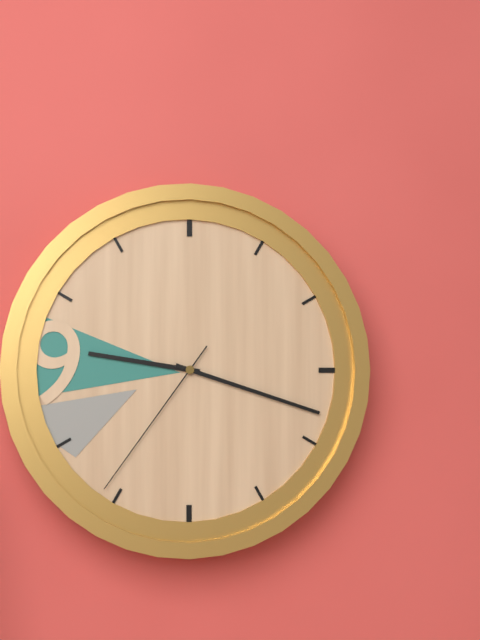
**9:18:36**
